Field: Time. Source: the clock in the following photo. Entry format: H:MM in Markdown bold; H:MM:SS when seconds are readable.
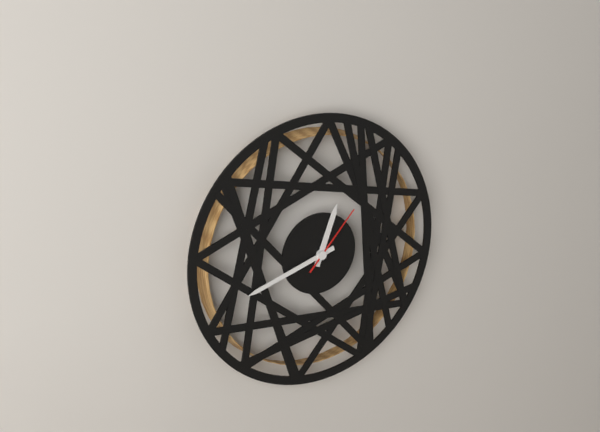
**12:42:07**
